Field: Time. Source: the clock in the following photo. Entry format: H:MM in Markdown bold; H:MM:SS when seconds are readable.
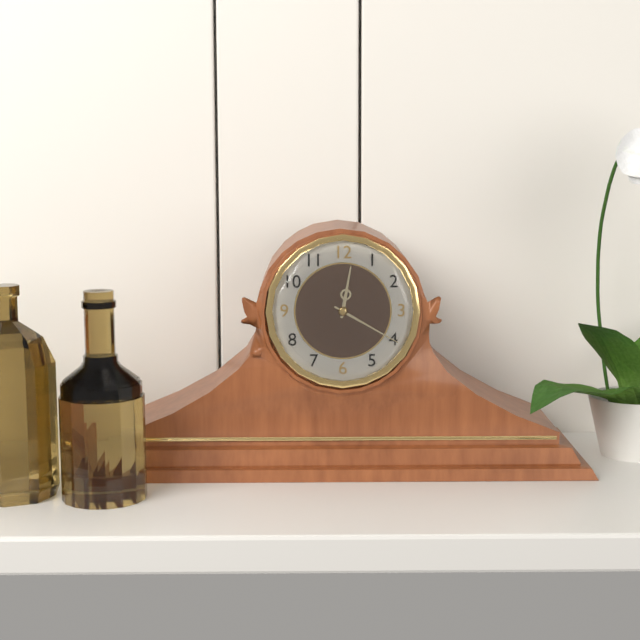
**12:20**
